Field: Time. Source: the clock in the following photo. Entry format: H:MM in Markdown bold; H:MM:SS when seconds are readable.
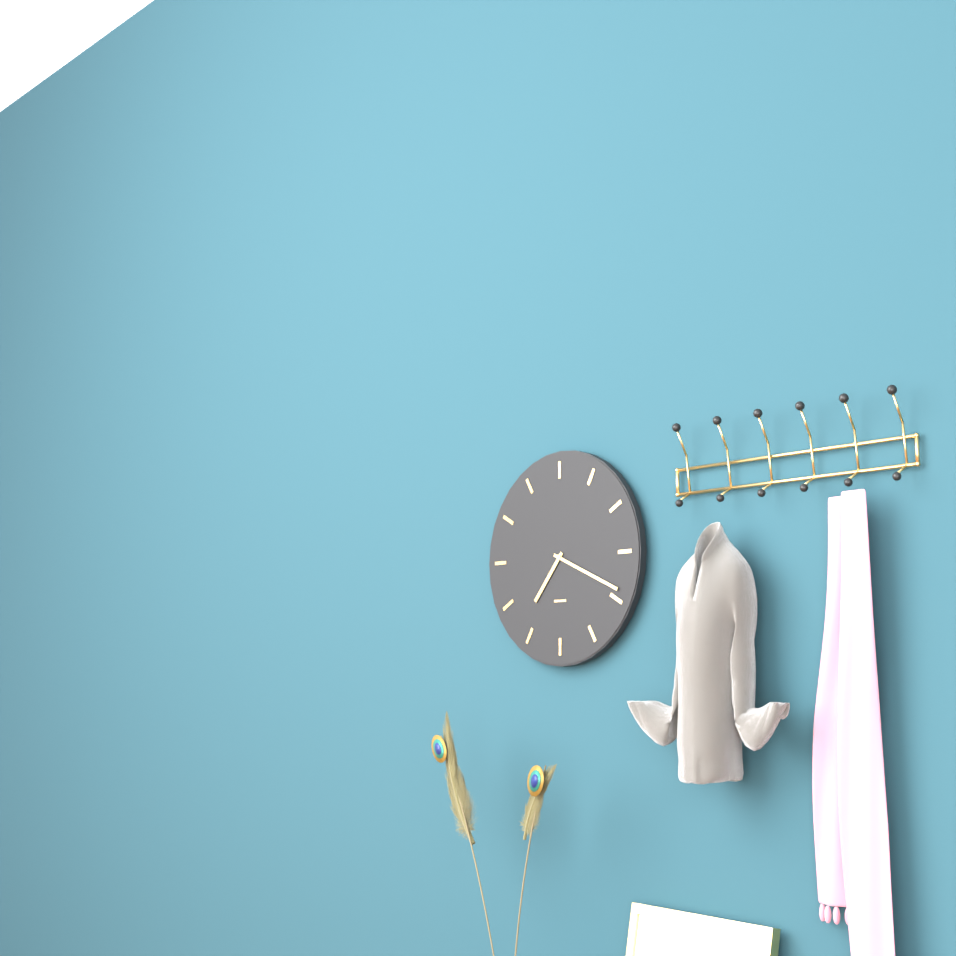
**7:19**
